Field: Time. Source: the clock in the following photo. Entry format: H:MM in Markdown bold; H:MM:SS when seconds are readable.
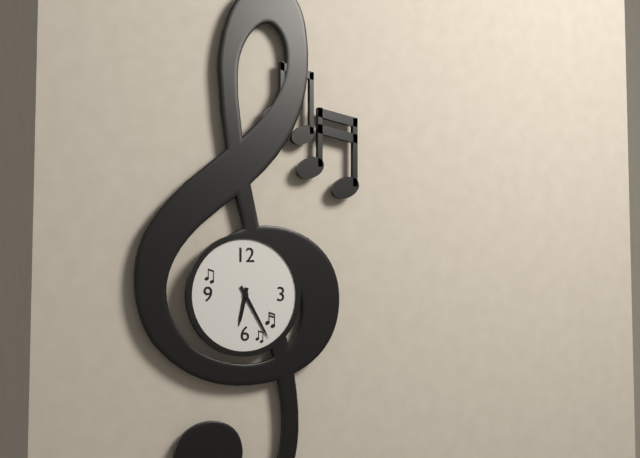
**6:25**
